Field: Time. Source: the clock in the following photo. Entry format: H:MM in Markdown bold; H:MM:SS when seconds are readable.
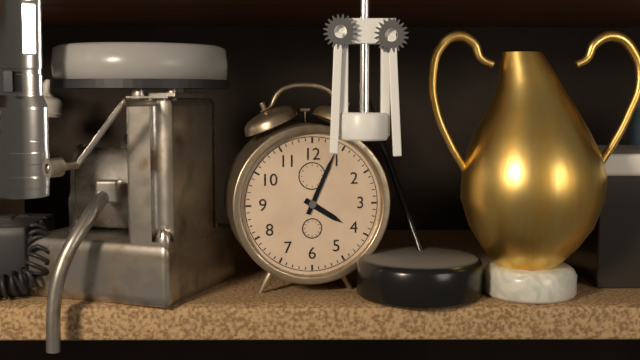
**4:04**
